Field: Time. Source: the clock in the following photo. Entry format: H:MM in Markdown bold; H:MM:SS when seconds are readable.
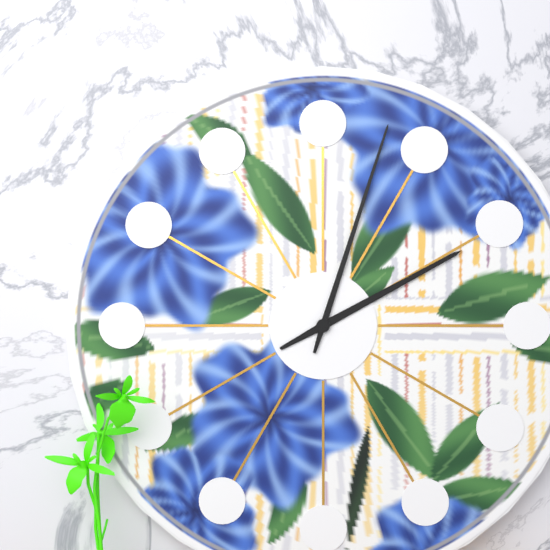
**2:03**
